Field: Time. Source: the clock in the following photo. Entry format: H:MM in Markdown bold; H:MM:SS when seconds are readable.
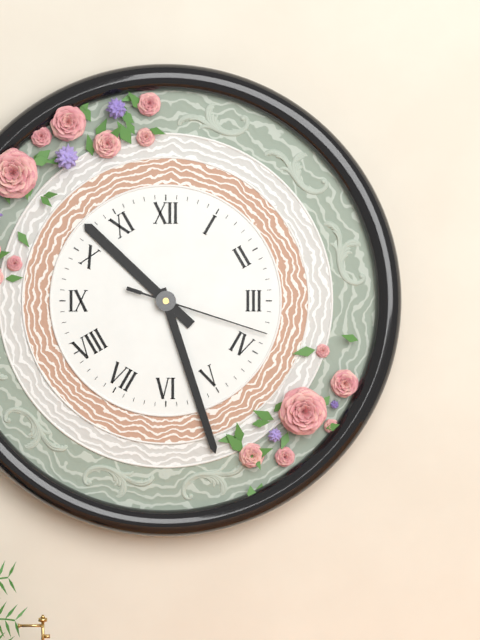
**10:27:18**
